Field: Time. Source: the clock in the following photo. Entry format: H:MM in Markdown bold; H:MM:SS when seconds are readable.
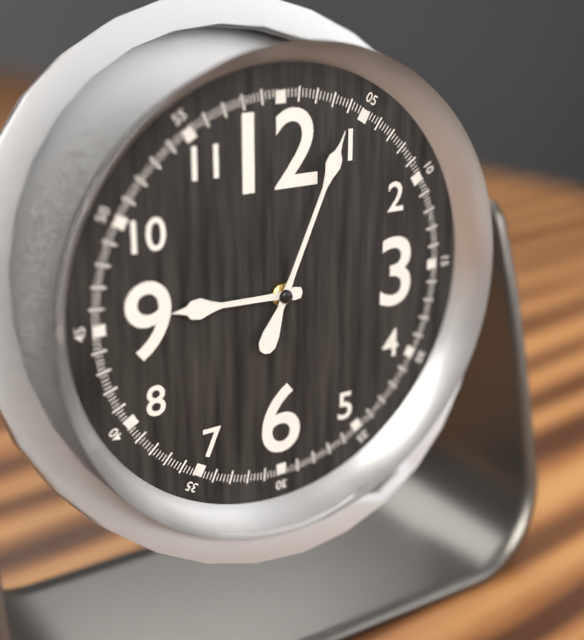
**9:04**
